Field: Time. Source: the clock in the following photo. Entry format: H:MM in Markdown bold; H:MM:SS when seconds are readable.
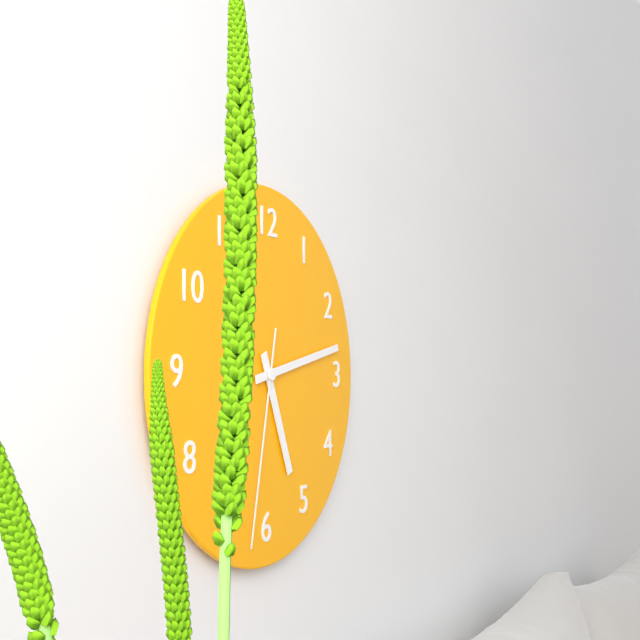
**5:13:32**
